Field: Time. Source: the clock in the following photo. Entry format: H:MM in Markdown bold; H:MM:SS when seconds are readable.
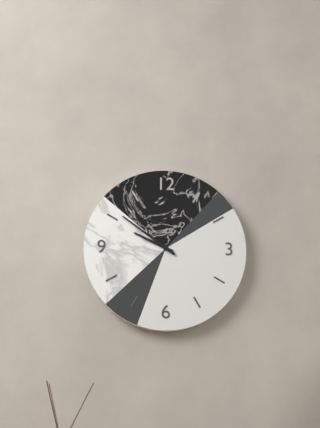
**9:51**
